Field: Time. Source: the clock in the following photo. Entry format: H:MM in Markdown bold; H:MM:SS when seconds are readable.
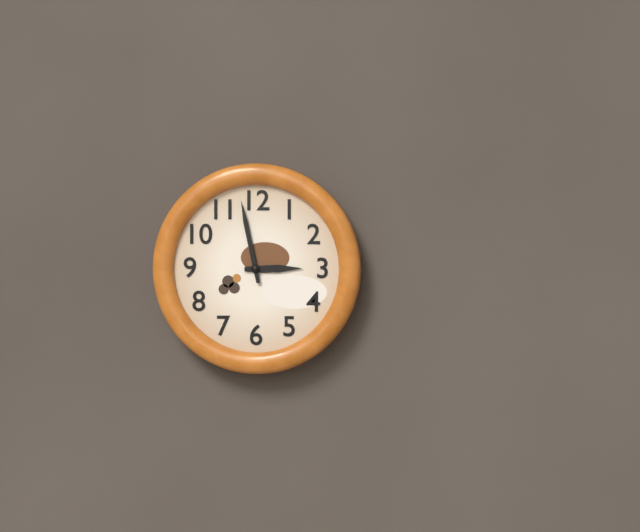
**2:58**
